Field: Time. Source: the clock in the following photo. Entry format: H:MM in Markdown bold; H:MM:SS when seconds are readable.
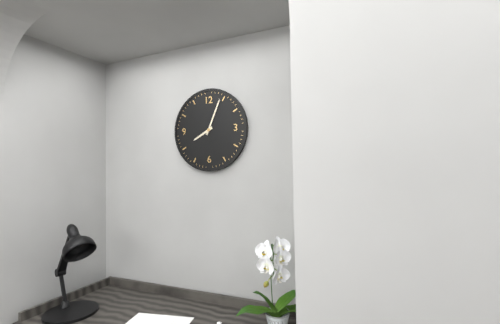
**8:04**
